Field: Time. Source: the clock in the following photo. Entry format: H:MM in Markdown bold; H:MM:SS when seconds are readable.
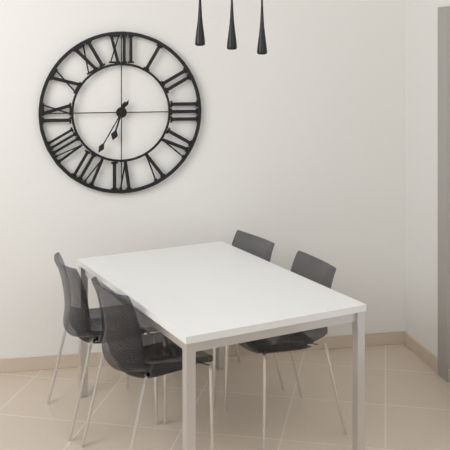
**6:35**
